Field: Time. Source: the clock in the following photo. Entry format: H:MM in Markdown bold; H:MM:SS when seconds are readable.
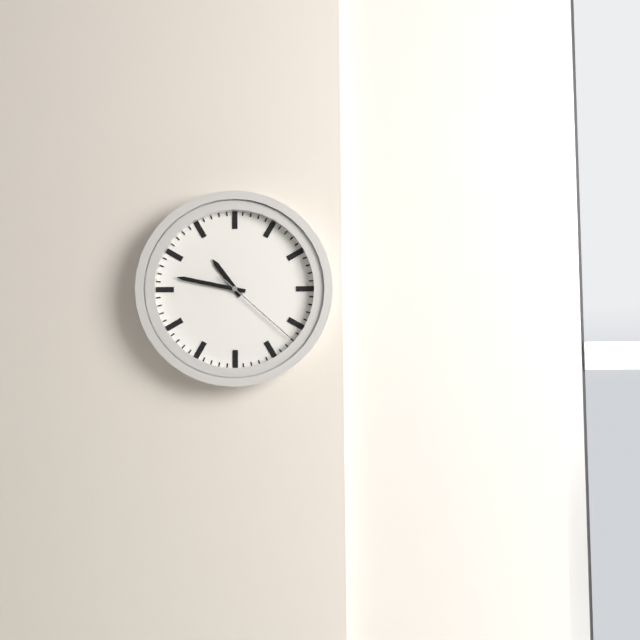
**10:47:22**
